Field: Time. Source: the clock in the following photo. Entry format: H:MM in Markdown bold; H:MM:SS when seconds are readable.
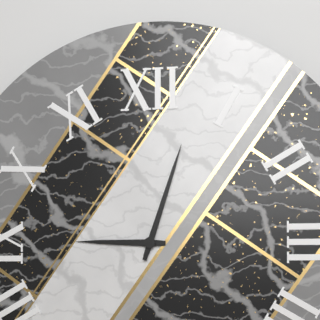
**9:03**
